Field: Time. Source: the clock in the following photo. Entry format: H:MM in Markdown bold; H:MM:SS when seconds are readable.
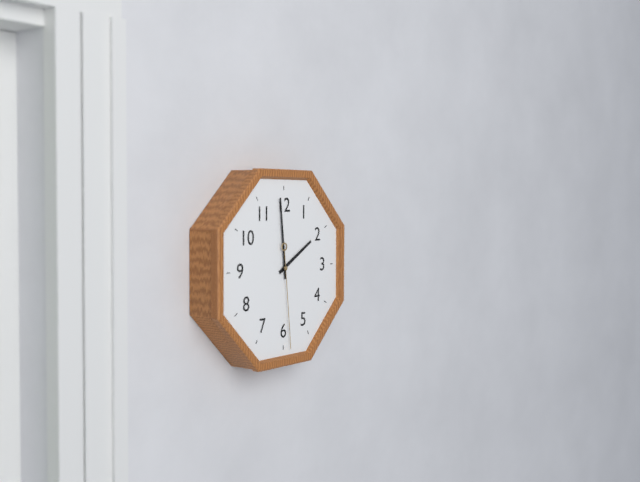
**1:59:29**
